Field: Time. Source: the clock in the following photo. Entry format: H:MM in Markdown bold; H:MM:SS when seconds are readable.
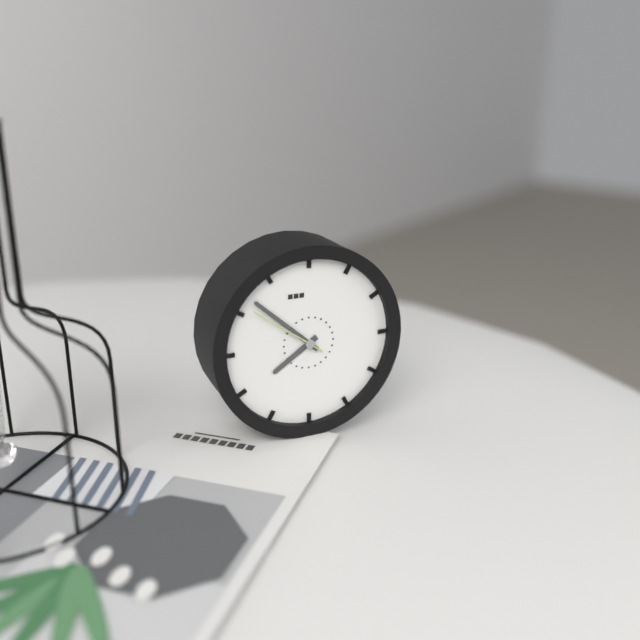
**7:52:51**
